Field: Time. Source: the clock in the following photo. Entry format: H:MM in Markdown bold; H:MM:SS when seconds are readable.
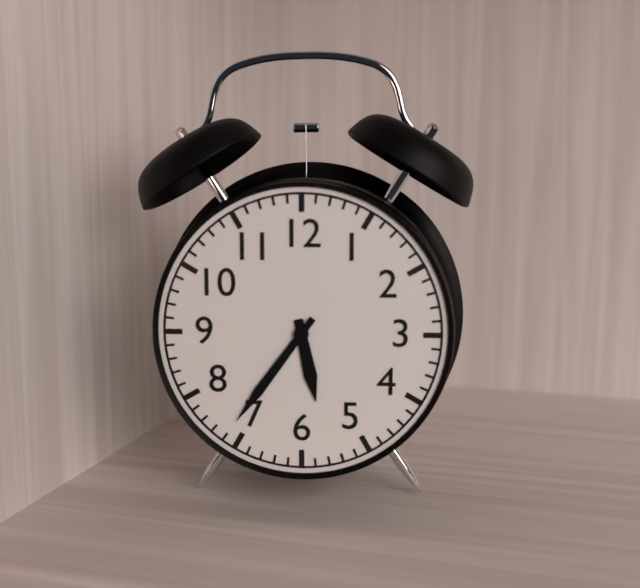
**5:36**
